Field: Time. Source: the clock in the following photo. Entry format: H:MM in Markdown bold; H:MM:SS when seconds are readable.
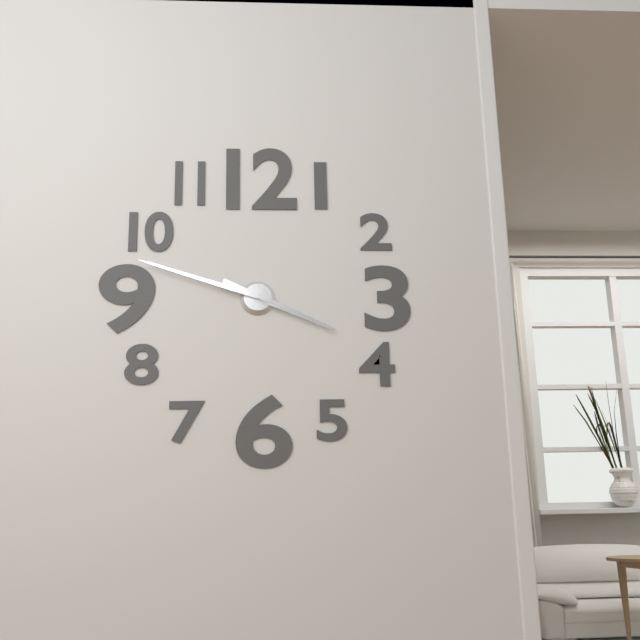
**3:48**
